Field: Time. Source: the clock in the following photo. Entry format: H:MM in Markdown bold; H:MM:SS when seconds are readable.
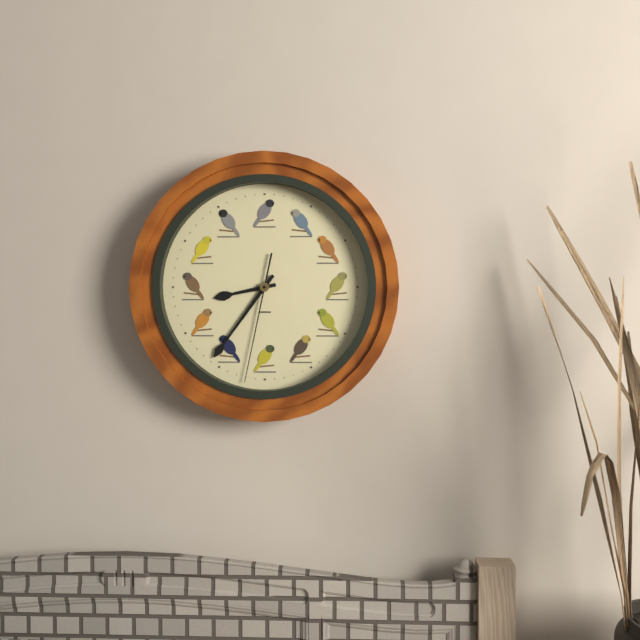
**8:36:32**
